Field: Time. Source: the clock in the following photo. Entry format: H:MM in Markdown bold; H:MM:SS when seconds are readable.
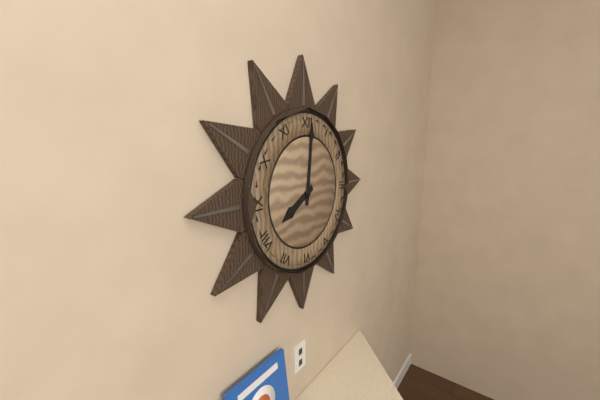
**8:01**
